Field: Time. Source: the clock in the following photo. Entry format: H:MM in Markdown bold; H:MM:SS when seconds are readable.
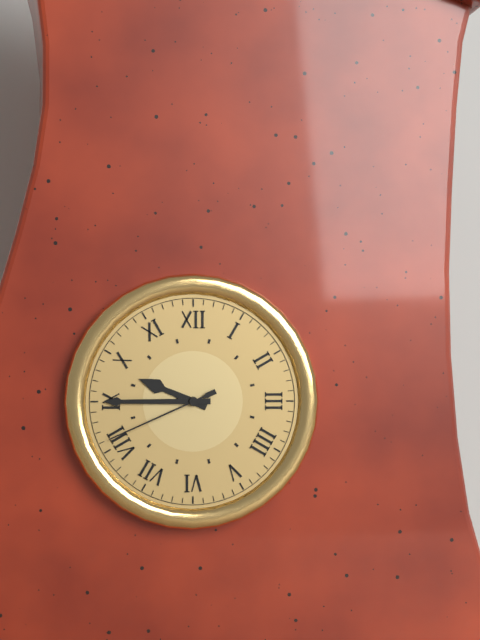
**9:45:41**
